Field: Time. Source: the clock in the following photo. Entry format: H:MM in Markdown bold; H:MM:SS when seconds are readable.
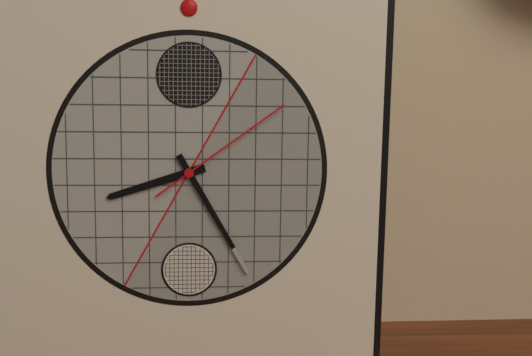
**8:25:09**
